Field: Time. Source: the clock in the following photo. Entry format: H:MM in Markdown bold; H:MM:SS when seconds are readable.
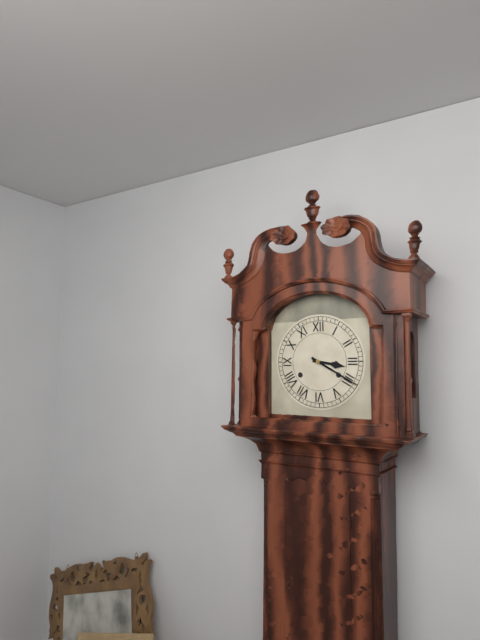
**3:20**
